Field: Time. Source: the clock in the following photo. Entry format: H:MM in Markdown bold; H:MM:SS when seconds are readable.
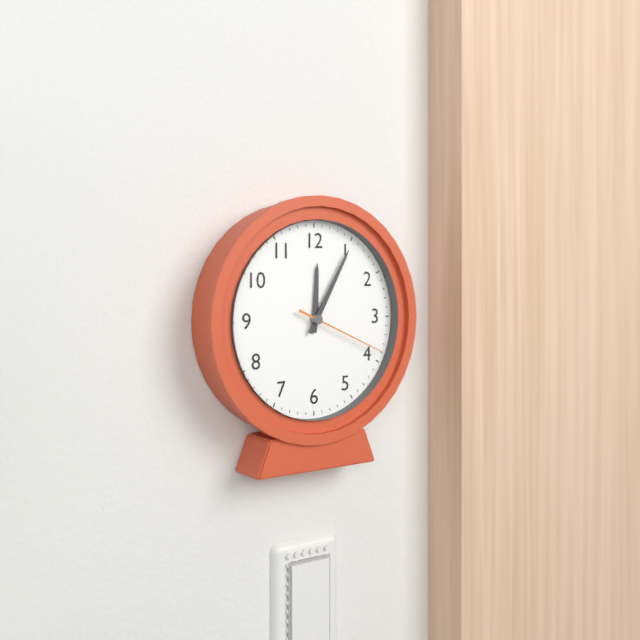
**12:05:19**
